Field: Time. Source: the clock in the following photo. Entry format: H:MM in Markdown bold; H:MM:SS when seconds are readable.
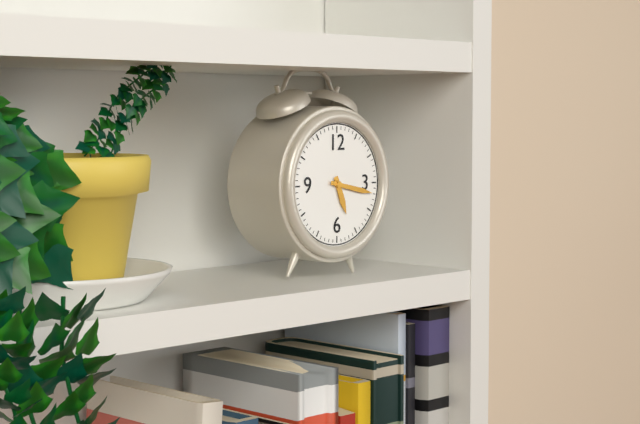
**5:17**
